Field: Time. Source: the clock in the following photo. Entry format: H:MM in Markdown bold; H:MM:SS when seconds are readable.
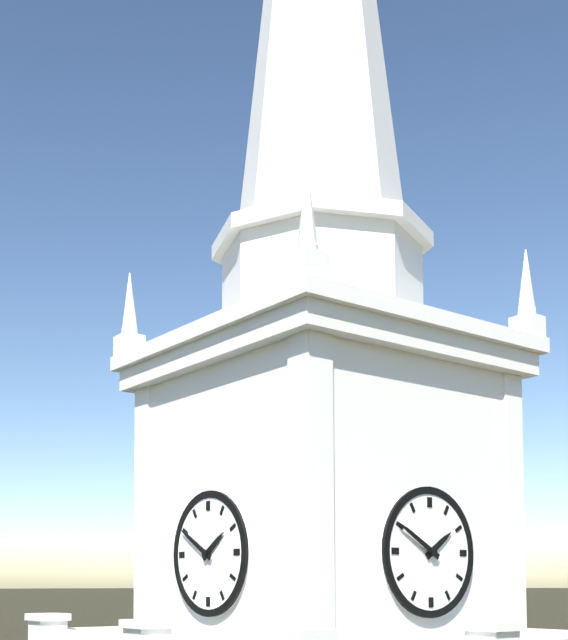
**1:50**
